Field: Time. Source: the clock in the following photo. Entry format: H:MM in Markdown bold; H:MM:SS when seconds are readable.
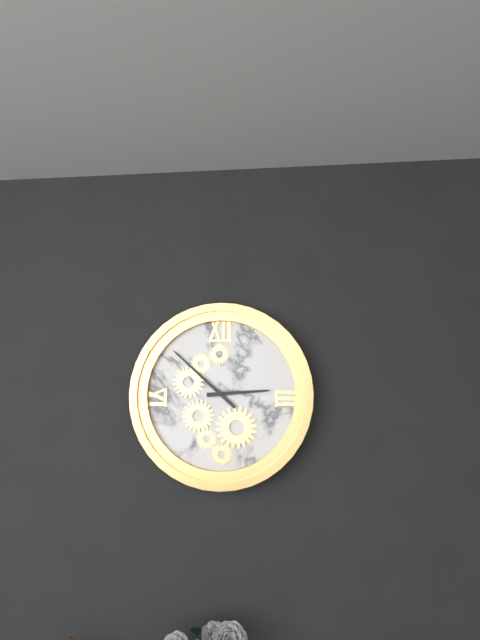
**2:52**
